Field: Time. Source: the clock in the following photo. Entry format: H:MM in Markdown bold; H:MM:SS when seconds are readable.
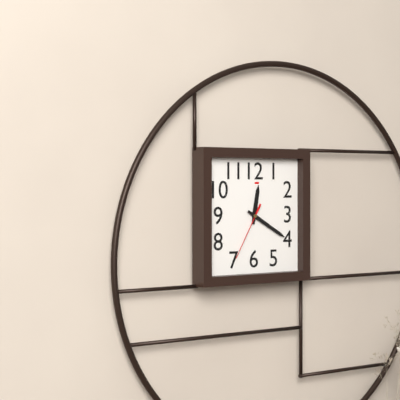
**12:20:35**
